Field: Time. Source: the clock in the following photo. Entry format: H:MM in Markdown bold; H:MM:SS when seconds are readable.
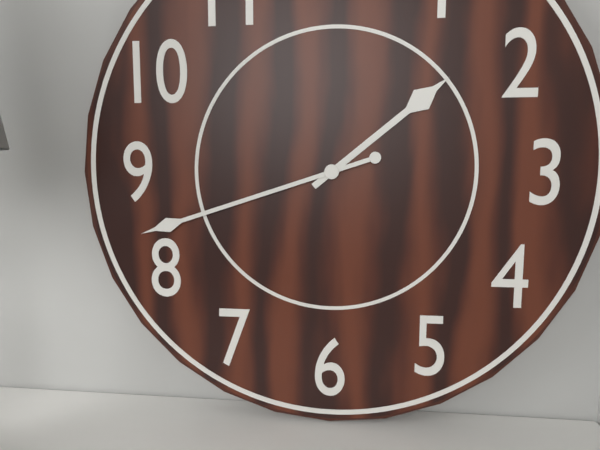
**1:42**
